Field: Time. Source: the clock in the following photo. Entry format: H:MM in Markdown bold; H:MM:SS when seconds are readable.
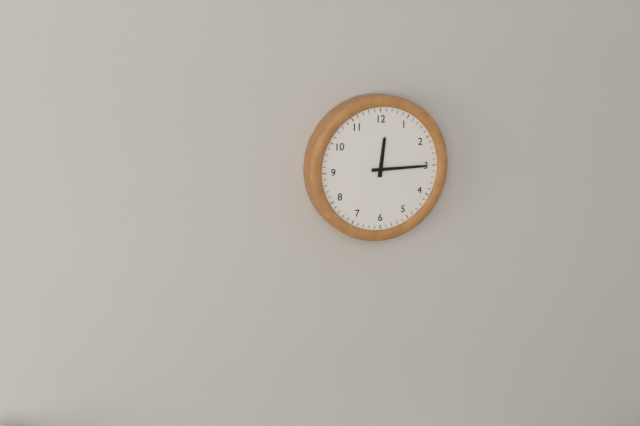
**12:15**
